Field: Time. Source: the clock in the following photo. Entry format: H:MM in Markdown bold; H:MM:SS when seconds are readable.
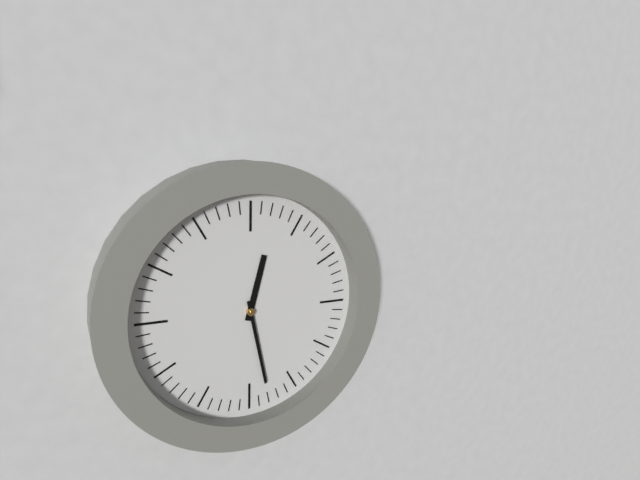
**12:28**
